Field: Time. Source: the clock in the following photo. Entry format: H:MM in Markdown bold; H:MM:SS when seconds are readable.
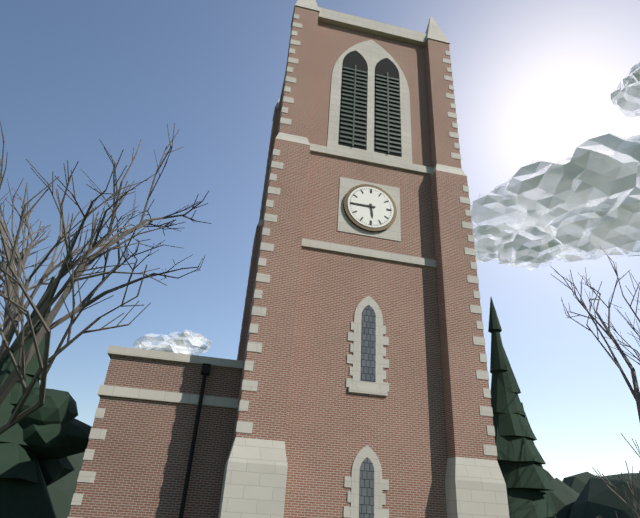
**5:45**
